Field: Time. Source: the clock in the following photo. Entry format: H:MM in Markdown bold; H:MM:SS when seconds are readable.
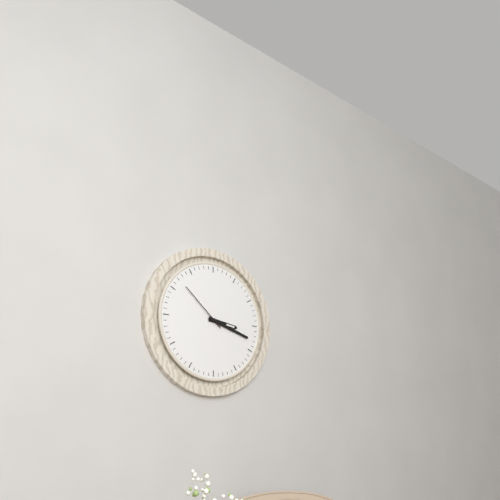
**3:18:52**
